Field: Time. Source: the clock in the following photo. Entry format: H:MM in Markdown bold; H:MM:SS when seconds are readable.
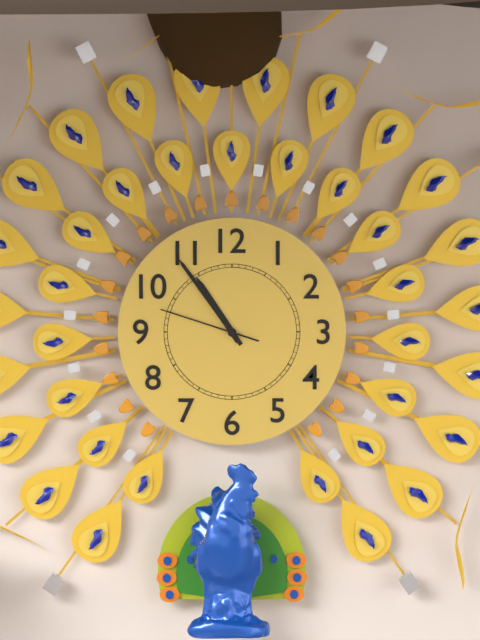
**10:54:48**
